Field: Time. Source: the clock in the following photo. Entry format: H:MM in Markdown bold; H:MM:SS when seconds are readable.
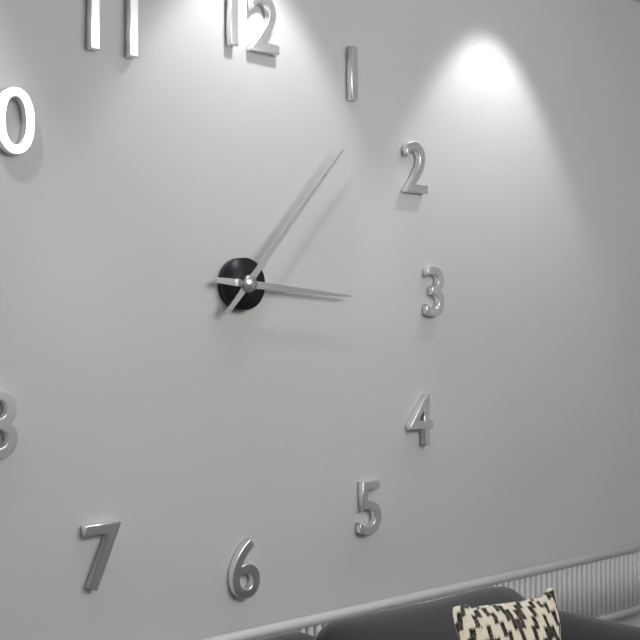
**3:07**
